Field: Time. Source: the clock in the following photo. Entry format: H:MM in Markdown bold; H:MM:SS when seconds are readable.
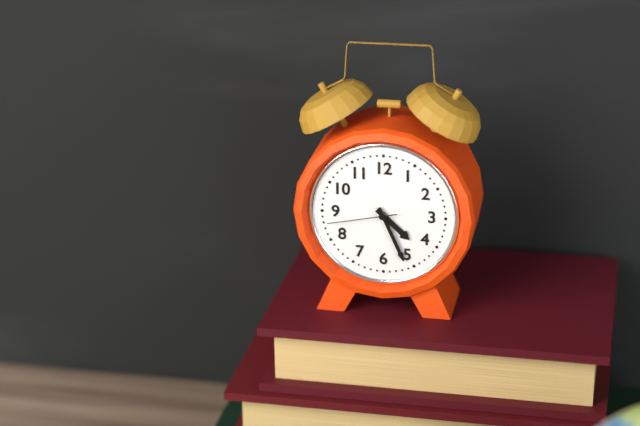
**4:26:43**
